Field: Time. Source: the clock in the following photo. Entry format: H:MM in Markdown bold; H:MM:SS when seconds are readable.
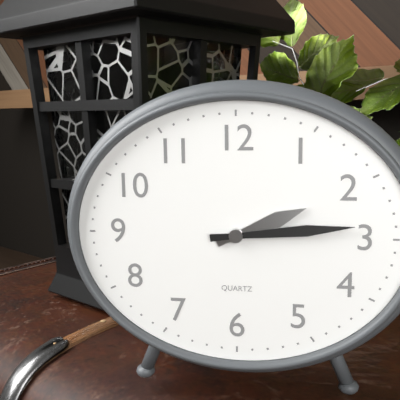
**2:14**
